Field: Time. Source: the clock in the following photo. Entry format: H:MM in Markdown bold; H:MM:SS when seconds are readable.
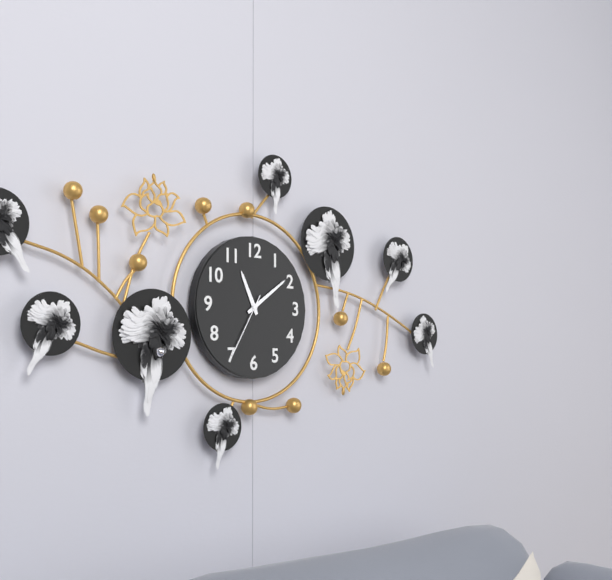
**11:09:35**
